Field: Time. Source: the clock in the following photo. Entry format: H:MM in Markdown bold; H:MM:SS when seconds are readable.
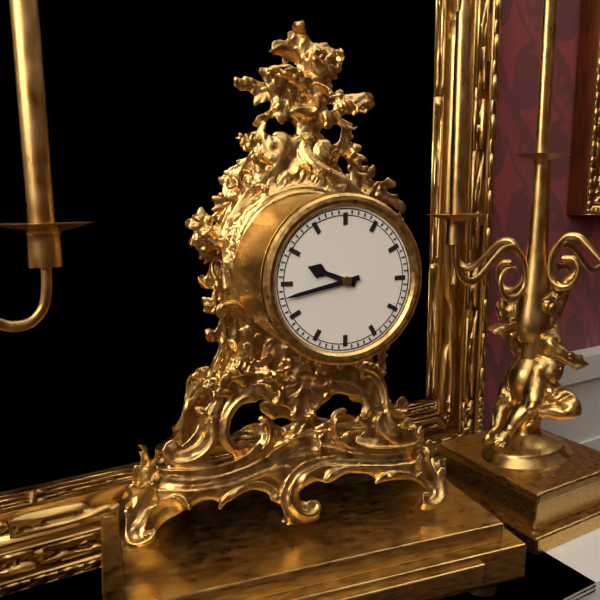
**9:43**
